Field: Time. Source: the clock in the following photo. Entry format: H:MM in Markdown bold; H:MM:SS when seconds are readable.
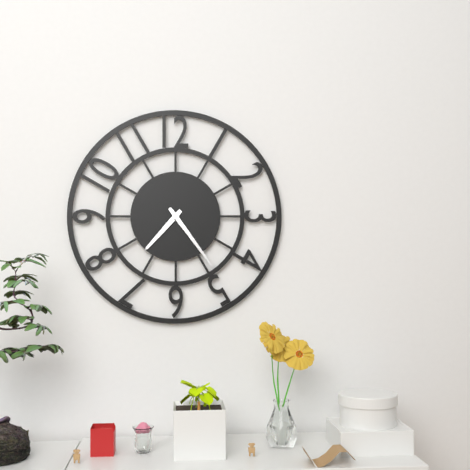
**7:24**
